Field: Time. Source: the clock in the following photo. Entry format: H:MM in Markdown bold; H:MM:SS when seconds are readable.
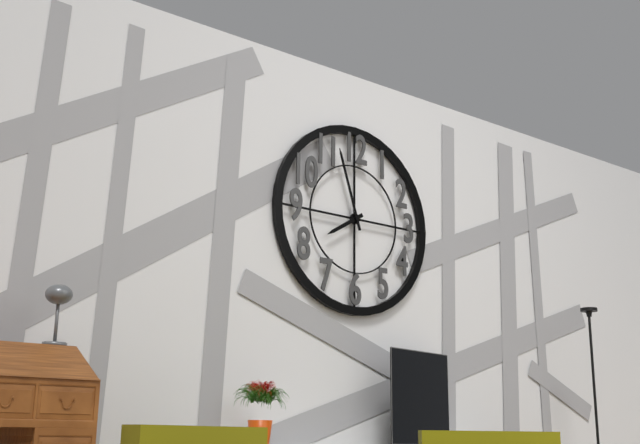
**7:57**
